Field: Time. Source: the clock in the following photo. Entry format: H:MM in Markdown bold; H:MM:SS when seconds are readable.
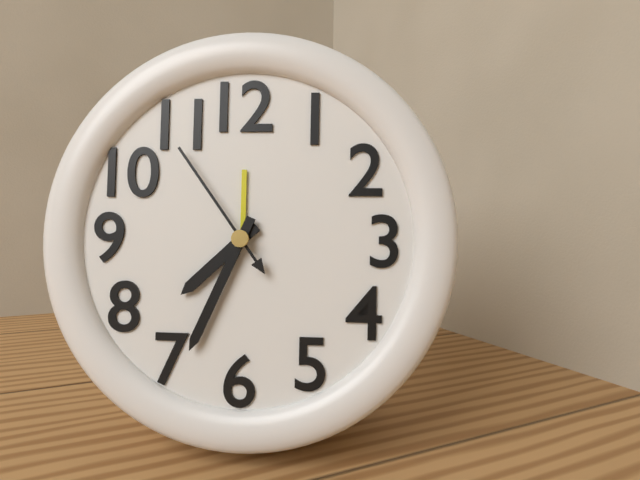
**7:34:54**
